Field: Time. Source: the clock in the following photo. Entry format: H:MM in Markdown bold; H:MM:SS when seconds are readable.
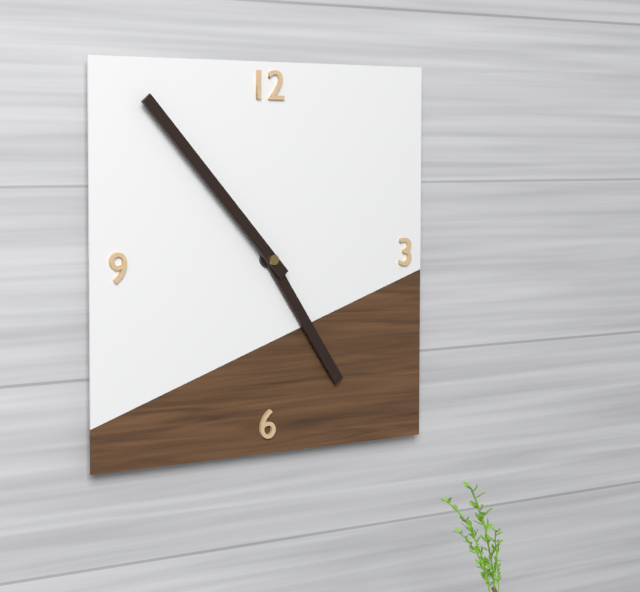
**4:53**
